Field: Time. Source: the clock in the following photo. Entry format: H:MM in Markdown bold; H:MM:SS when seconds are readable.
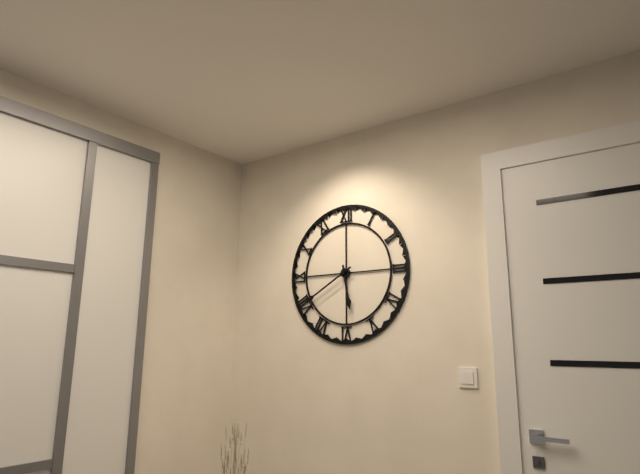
**5:40**
